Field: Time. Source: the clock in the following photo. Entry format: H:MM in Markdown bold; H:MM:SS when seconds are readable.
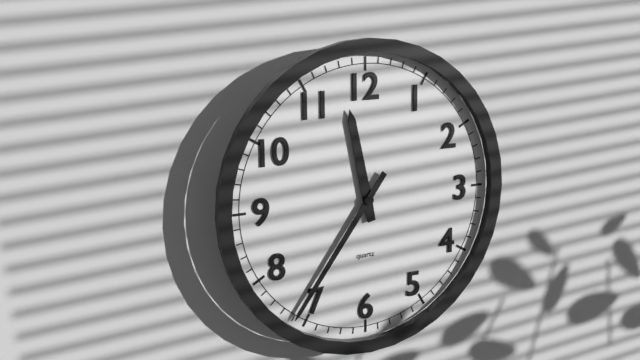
**11:36**
